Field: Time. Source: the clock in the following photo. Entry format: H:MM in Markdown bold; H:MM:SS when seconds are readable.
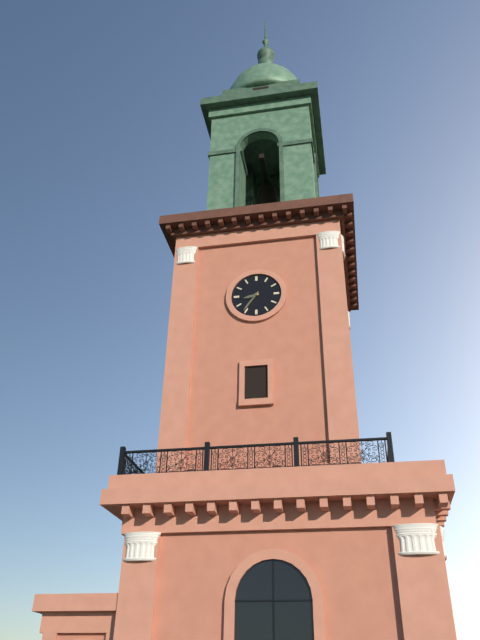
**8:36**
